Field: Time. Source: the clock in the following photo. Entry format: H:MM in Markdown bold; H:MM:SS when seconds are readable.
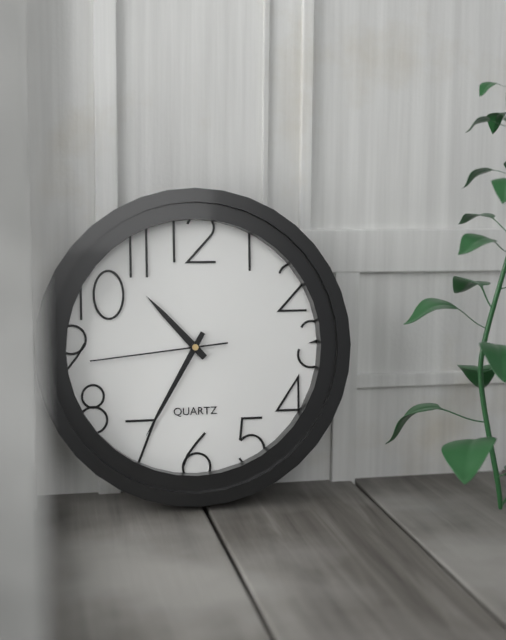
**10:35:44**
